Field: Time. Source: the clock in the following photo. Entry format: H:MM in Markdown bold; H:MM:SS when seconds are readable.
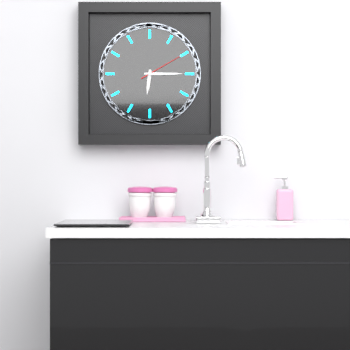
**6:15**
